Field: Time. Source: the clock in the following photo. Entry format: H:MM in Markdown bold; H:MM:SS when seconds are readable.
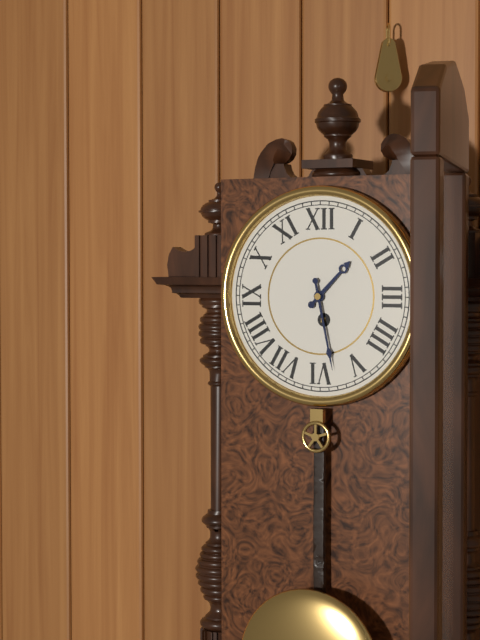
**1:28**
